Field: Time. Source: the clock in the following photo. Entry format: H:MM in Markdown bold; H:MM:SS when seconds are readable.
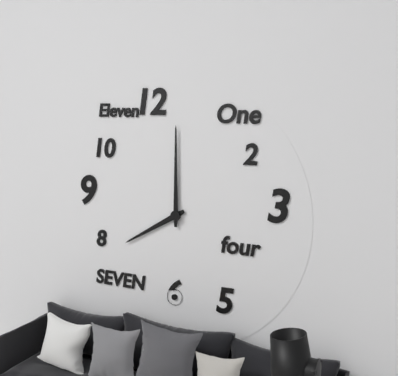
**8:00**
